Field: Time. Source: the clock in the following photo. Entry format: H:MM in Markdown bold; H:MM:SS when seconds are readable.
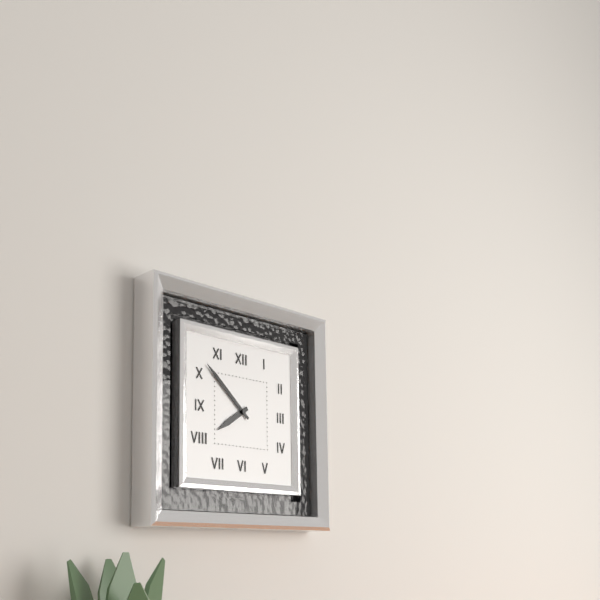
**7:52**
